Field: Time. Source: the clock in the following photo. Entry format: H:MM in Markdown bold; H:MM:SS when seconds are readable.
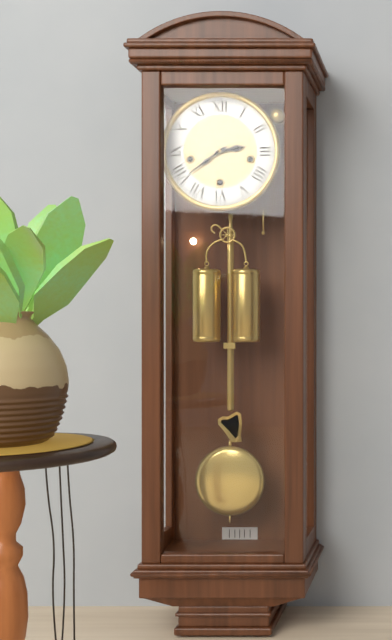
**2:39**
